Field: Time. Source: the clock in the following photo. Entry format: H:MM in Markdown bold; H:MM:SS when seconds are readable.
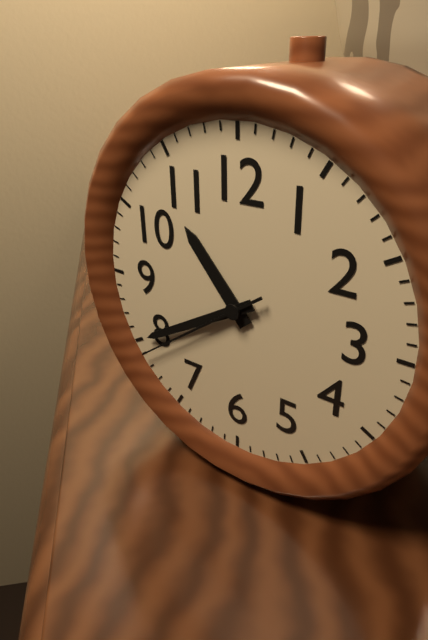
**10:40:39**
